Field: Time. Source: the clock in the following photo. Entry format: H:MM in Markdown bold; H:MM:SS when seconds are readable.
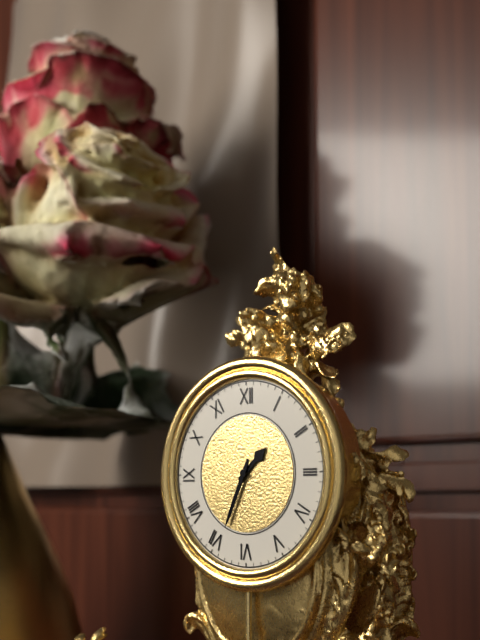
**1:34**
